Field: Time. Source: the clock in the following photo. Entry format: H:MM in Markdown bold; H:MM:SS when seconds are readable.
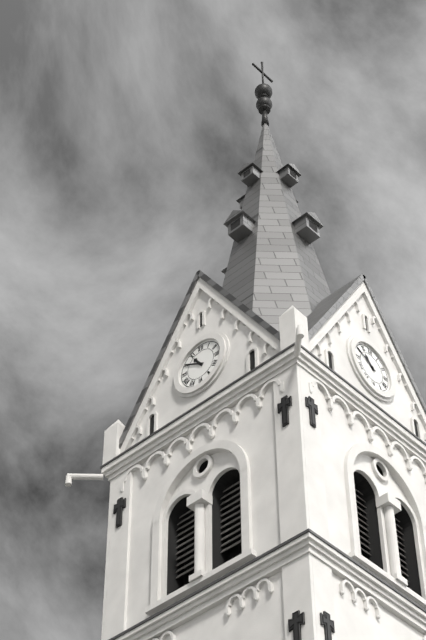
**10:50**
